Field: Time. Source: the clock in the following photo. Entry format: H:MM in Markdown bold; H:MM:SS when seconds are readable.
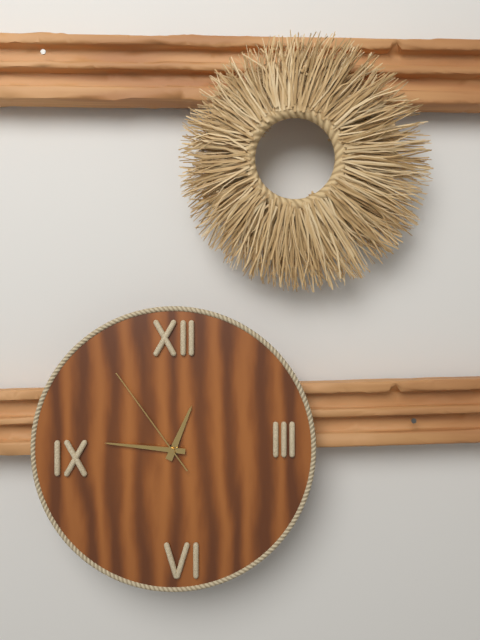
**12:46:54**
